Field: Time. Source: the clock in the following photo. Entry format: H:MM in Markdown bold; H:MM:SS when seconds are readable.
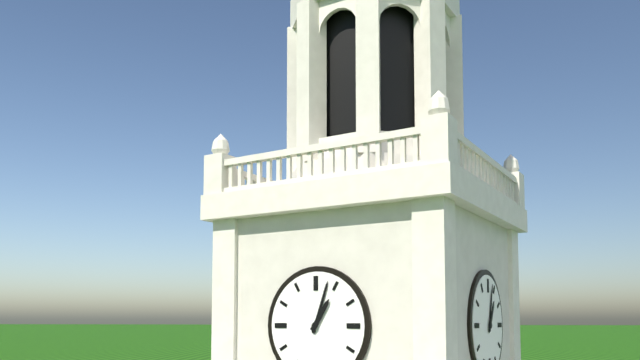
**1:03**
